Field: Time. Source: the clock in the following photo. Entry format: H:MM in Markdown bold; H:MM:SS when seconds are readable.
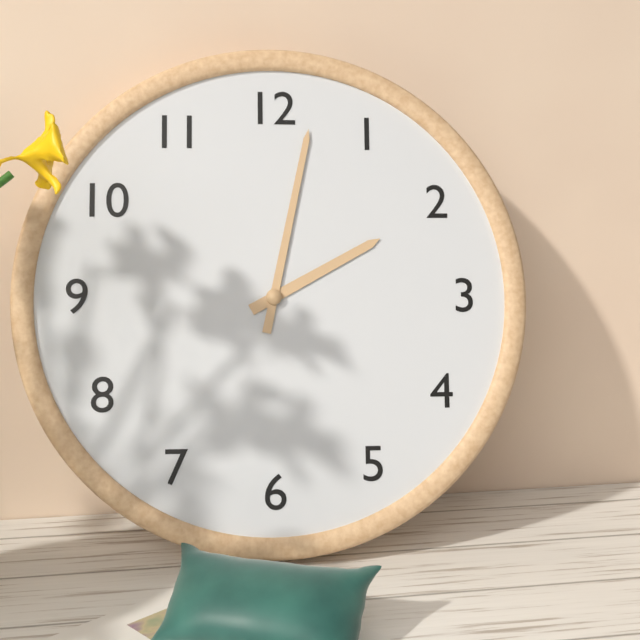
**2:02**
